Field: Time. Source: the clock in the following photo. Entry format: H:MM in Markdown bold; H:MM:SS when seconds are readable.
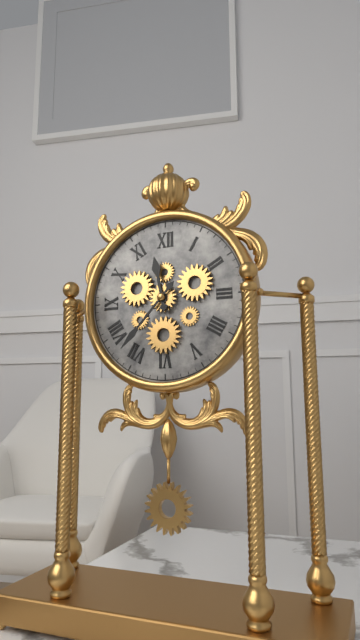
**11:37**
